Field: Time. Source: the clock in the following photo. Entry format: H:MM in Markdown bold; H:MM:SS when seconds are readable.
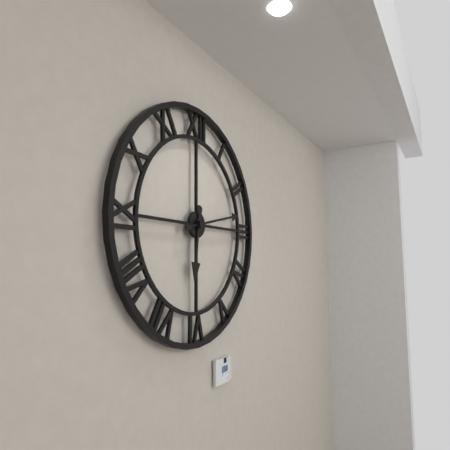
**6:13**
